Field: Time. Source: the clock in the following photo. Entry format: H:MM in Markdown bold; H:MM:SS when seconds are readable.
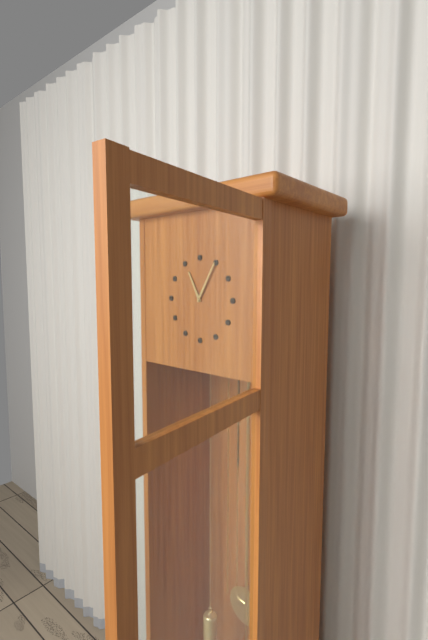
**11:05**
